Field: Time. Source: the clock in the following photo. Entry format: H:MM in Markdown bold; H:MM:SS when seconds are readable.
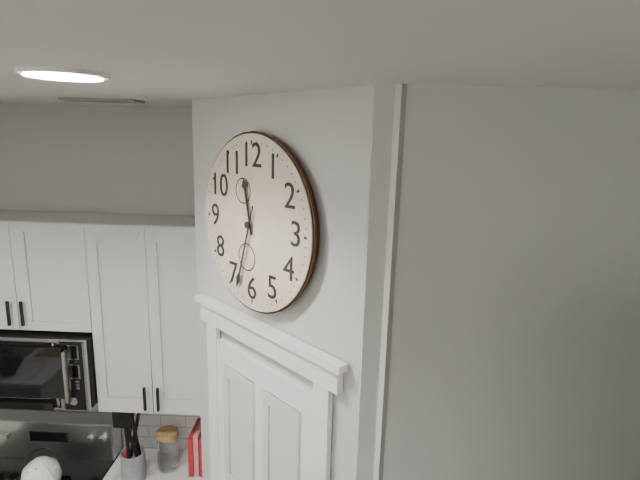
**11:33**
